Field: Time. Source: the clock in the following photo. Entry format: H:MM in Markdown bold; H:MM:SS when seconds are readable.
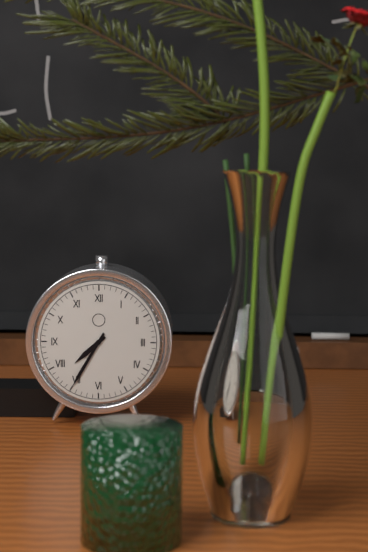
**7:35**
